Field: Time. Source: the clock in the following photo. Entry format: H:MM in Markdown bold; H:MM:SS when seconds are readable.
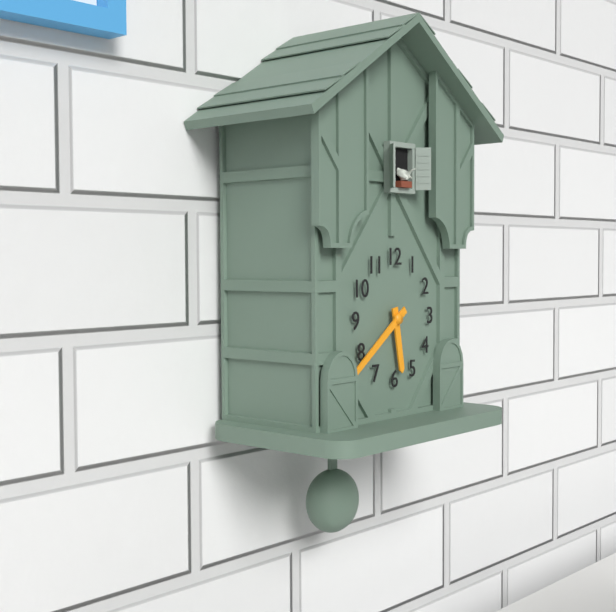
**5:39**
